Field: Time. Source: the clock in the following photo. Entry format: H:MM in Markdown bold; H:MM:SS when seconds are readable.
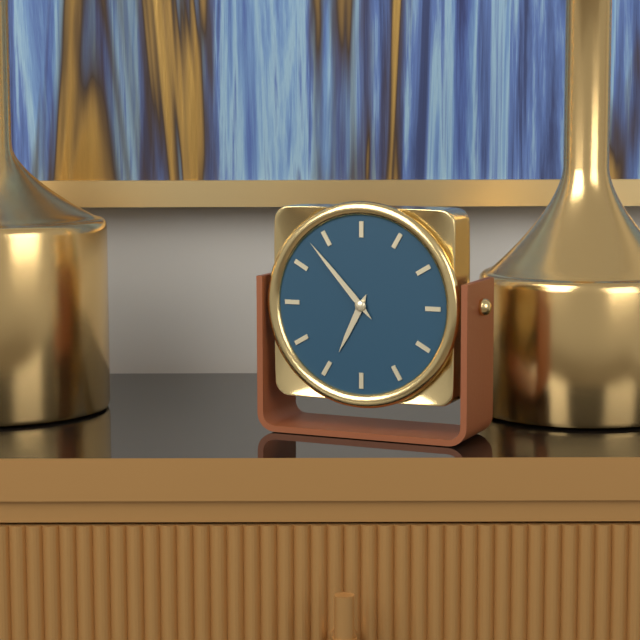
**6:53**
